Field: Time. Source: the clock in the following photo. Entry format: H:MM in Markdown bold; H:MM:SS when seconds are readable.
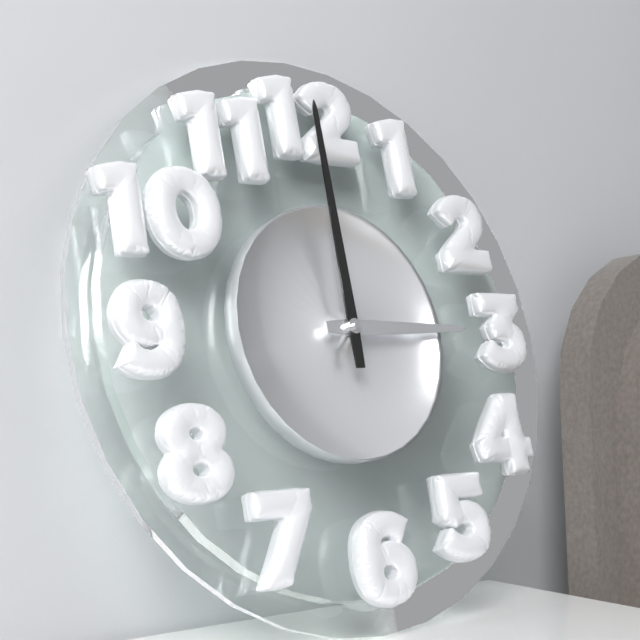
**3:00**
